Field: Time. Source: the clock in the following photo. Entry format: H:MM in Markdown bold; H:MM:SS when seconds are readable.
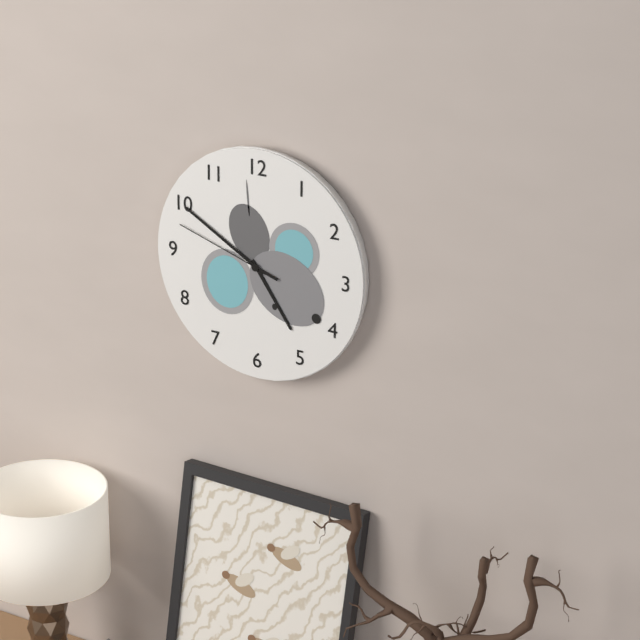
**4:50:48**
